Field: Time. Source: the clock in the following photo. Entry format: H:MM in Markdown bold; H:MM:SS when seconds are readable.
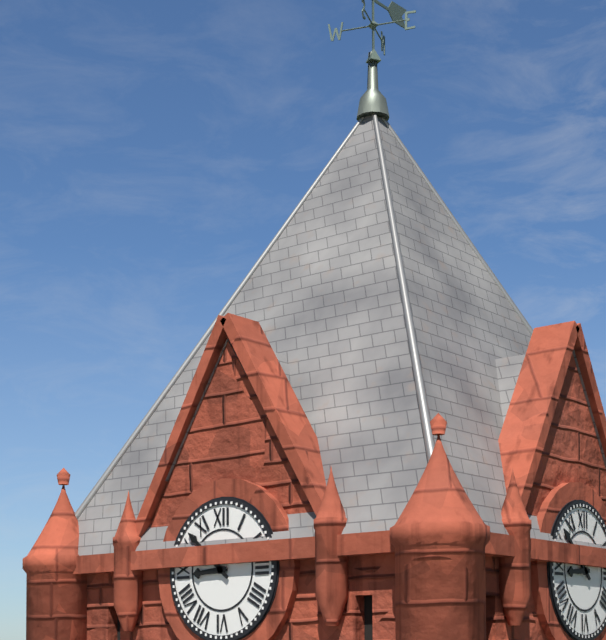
**8:52**
